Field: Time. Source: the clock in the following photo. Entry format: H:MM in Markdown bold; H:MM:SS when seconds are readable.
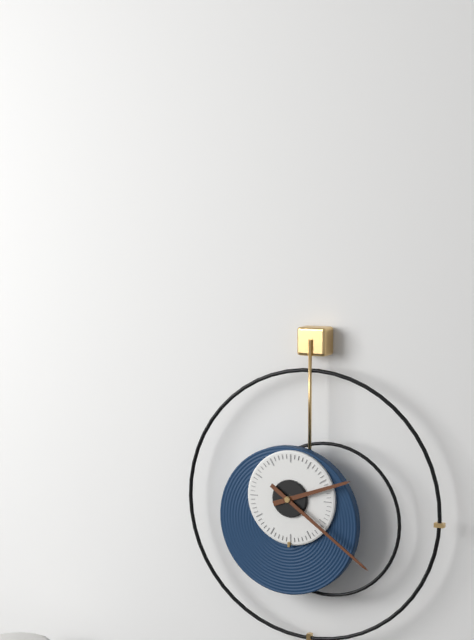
**2:21**
